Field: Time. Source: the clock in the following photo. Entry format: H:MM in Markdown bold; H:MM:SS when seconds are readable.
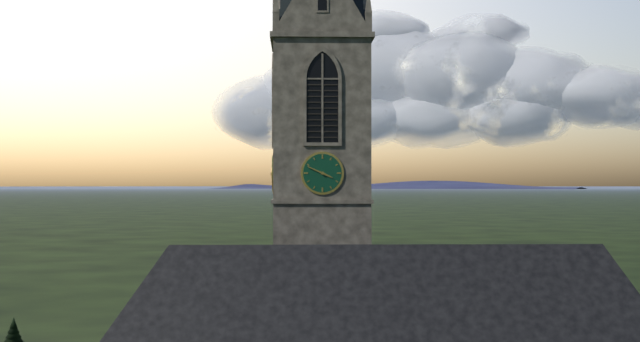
**3:49**
